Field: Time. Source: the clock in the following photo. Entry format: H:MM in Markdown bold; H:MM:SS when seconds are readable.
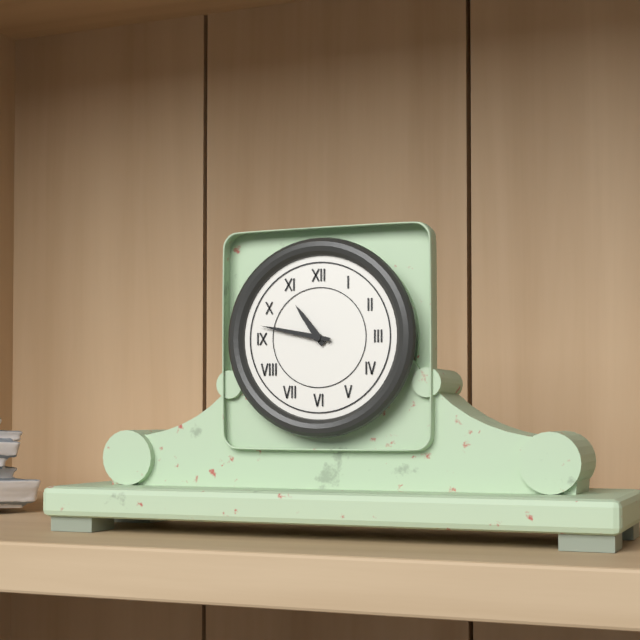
**10:47**
